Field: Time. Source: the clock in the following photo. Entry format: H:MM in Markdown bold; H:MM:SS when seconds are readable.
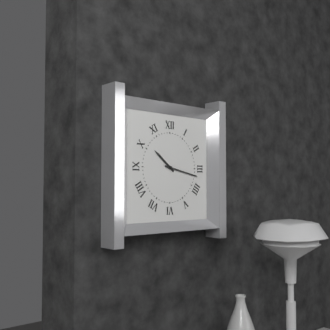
**10:17**
